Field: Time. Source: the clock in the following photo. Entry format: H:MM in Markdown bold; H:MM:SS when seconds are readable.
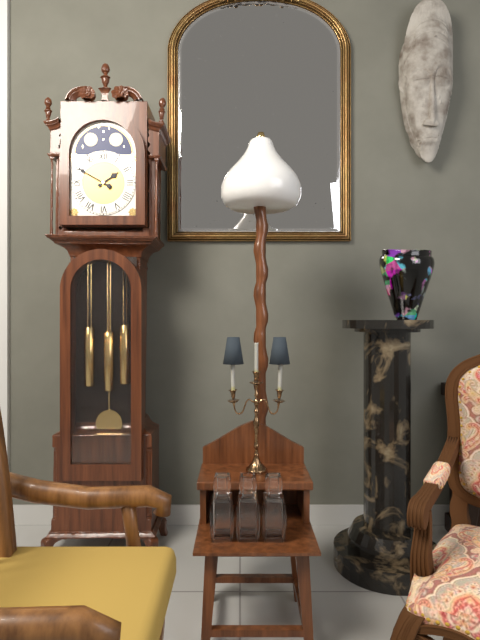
**1:50**
